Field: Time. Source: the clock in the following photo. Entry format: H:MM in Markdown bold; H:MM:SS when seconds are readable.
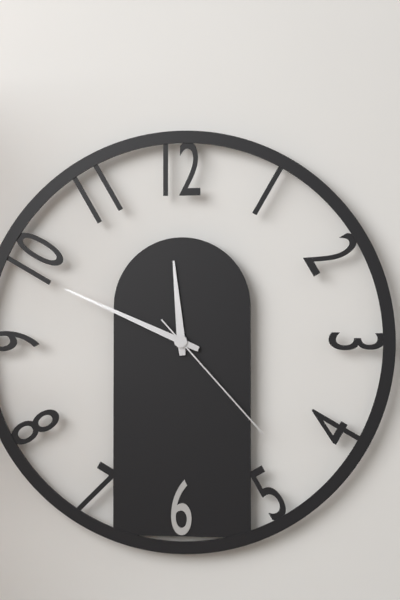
**11:49:23**
